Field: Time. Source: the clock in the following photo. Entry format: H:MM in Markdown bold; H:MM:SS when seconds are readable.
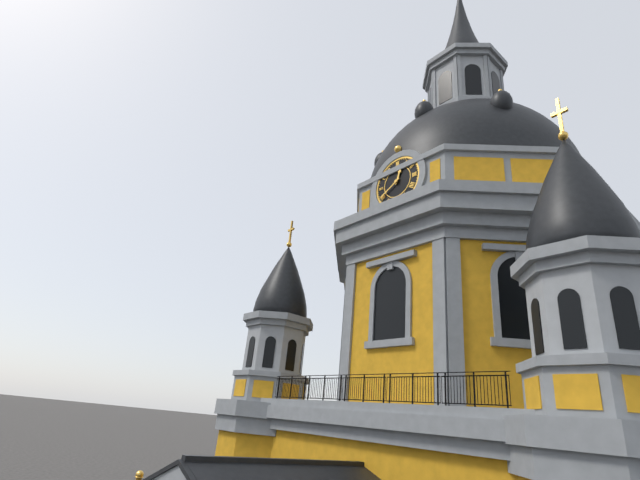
**12:40**
